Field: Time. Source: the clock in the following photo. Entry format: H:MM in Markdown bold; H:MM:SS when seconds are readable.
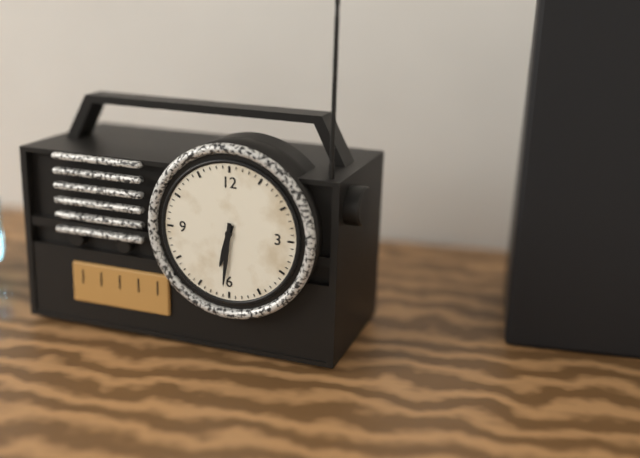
**6:31**
